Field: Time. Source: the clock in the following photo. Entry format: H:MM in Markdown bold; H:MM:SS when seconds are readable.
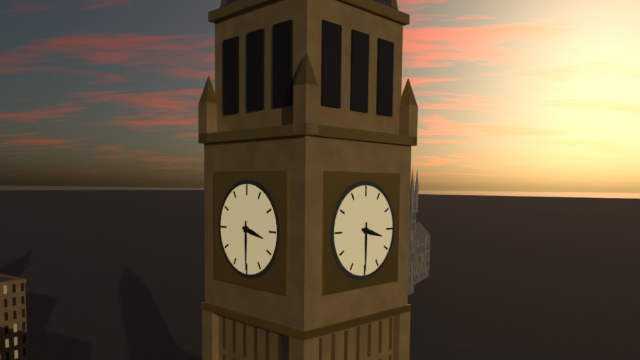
**3:30**
